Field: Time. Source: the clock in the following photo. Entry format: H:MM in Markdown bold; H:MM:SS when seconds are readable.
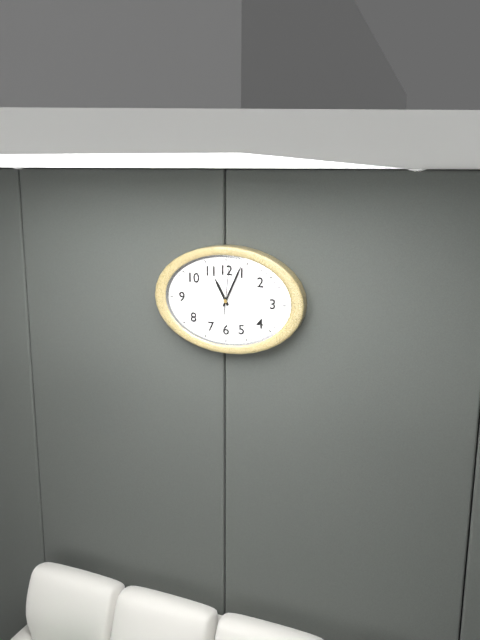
**11:04**
